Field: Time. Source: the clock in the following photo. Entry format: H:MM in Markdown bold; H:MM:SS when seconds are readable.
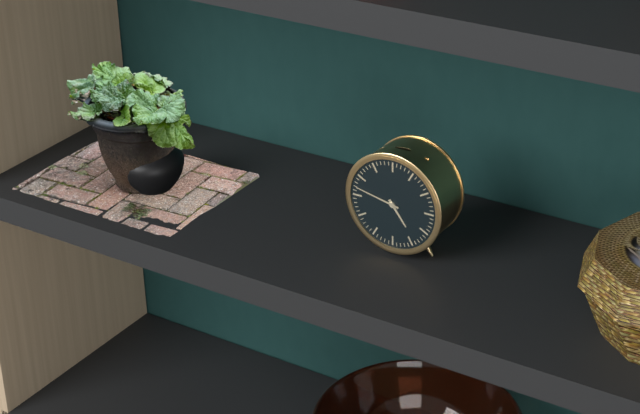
**4:47**
